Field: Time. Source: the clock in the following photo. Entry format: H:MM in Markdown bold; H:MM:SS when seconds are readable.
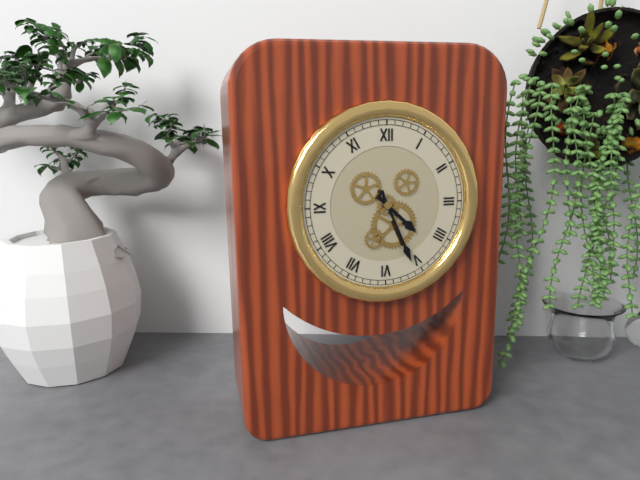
**4:26**
